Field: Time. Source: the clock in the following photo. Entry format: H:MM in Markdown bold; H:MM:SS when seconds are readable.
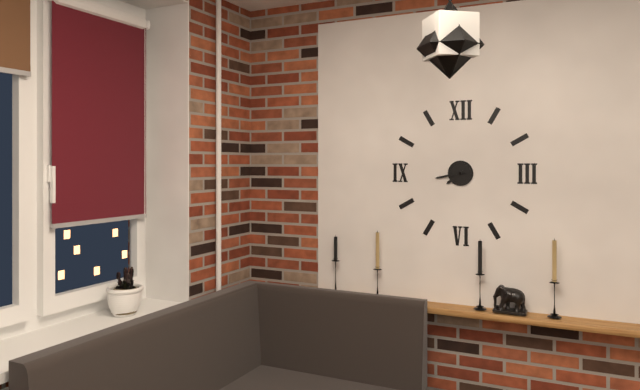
**7:43**
